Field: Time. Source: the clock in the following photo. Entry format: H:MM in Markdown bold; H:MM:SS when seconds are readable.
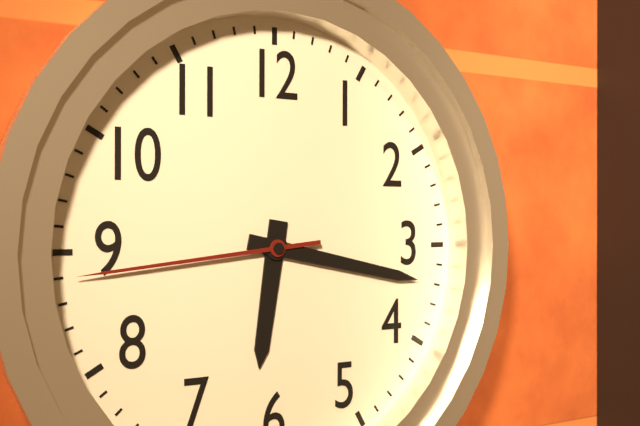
**6:17:44**
